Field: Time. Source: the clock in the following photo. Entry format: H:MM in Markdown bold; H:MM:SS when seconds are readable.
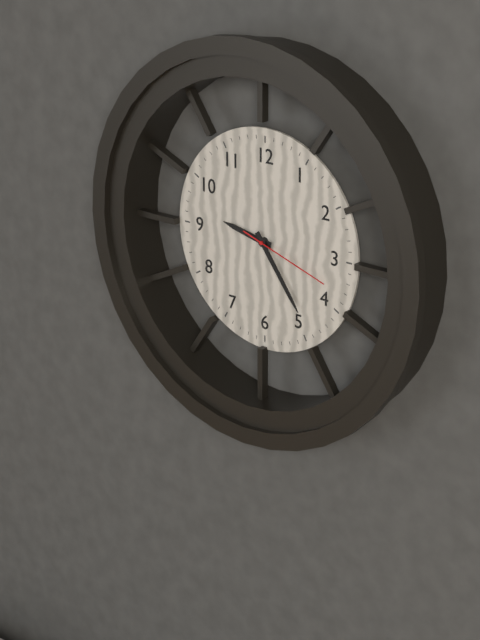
**9:24:18**
